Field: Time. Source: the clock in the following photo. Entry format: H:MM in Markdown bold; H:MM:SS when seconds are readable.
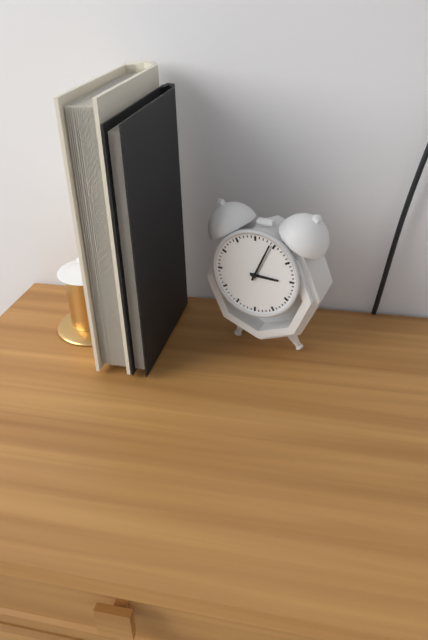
**3:04**
